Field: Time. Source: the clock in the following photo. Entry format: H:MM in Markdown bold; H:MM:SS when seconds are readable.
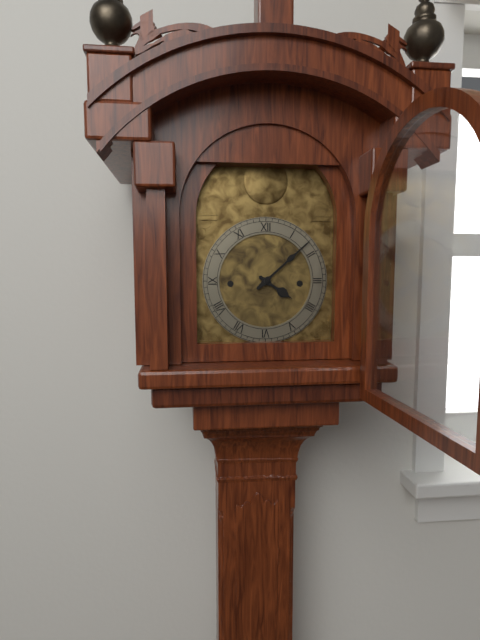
**4:08**
